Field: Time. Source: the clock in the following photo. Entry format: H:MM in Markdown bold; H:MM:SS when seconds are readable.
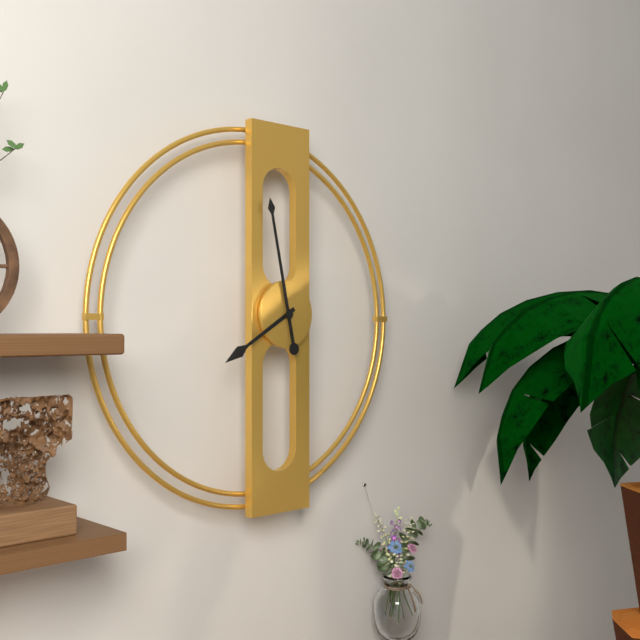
**7:58**
